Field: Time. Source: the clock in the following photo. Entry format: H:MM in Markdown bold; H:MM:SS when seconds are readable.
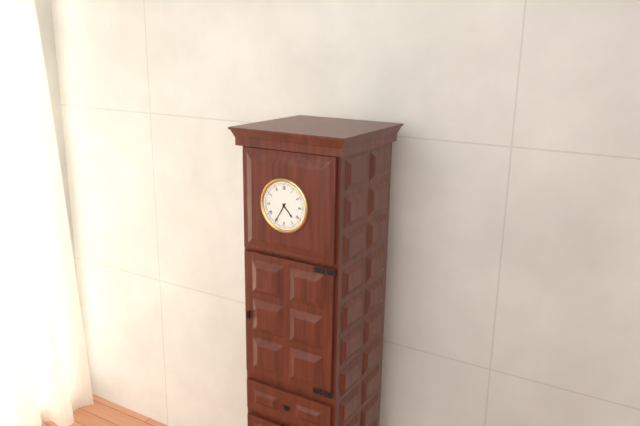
**4:35**
